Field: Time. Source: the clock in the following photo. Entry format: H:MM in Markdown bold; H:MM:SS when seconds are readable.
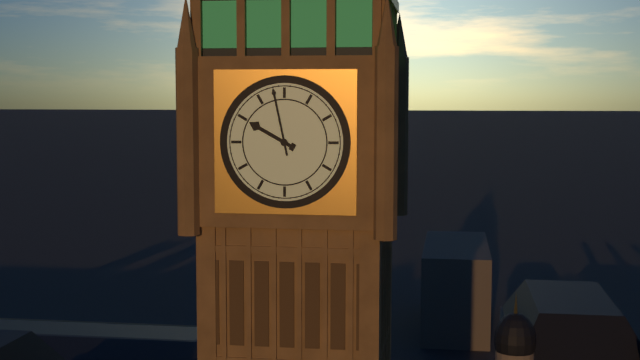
**9:58**
